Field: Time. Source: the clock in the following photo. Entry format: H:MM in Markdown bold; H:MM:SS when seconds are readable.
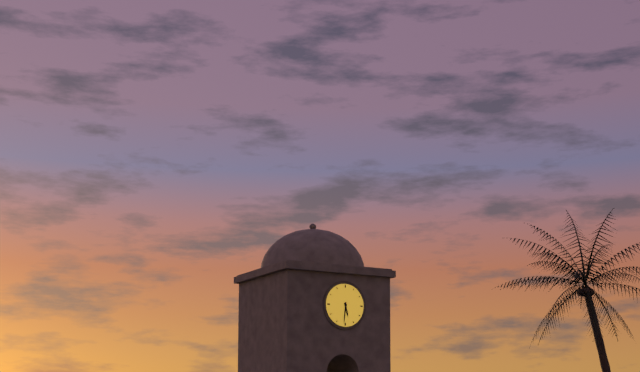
**5:31**
